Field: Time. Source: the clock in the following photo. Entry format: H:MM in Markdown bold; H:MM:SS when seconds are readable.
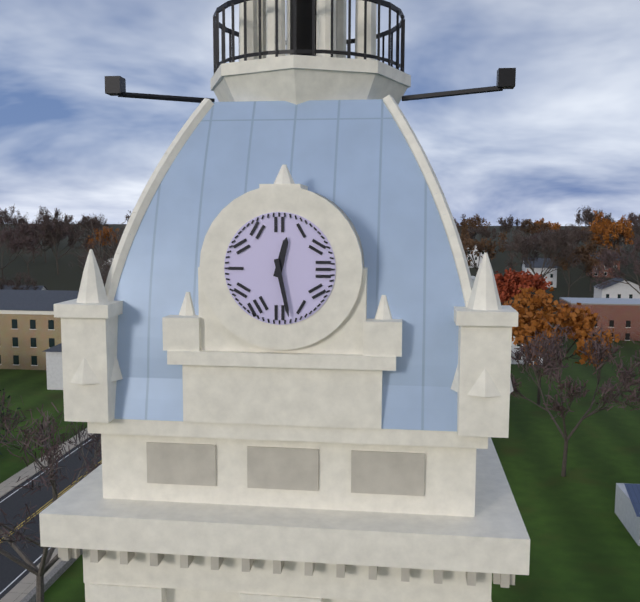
**12:28**
